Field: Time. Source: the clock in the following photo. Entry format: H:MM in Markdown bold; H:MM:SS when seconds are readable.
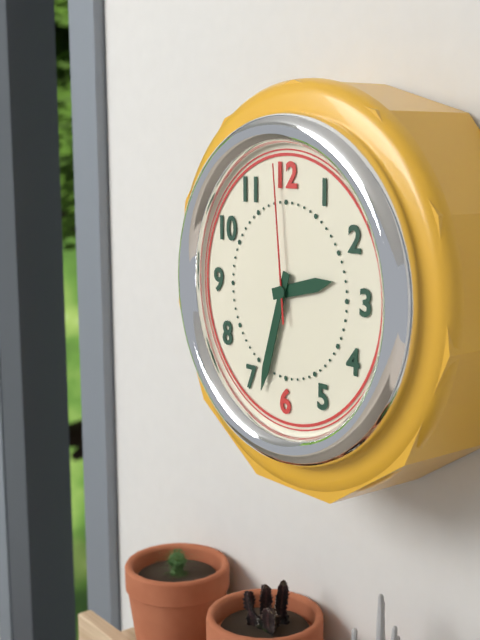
**2:33:59**
